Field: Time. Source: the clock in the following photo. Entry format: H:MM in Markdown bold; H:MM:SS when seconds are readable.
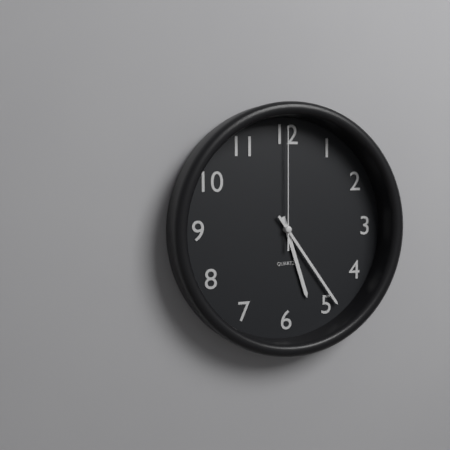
**5:24:00**
